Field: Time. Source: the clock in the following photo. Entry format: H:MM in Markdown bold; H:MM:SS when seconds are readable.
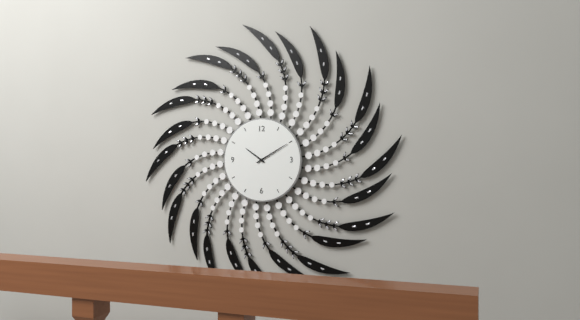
**10:10**
